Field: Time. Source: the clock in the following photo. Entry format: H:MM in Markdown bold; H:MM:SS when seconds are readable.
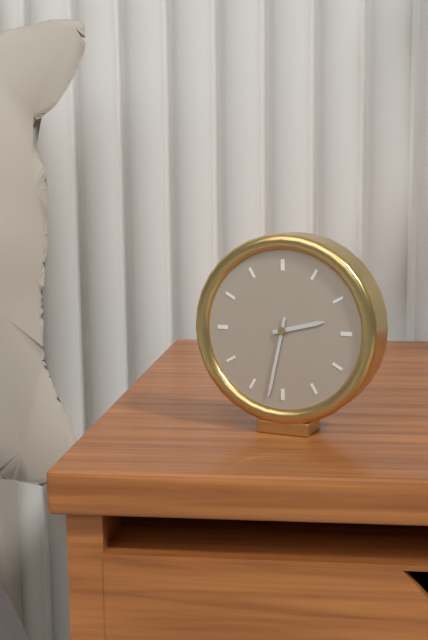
**2:32**
